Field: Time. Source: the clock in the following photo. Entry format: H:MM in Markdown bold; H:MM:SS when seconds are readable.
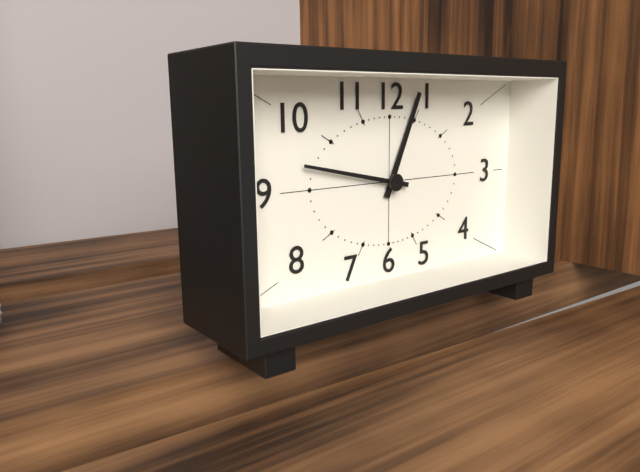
**12:47**
